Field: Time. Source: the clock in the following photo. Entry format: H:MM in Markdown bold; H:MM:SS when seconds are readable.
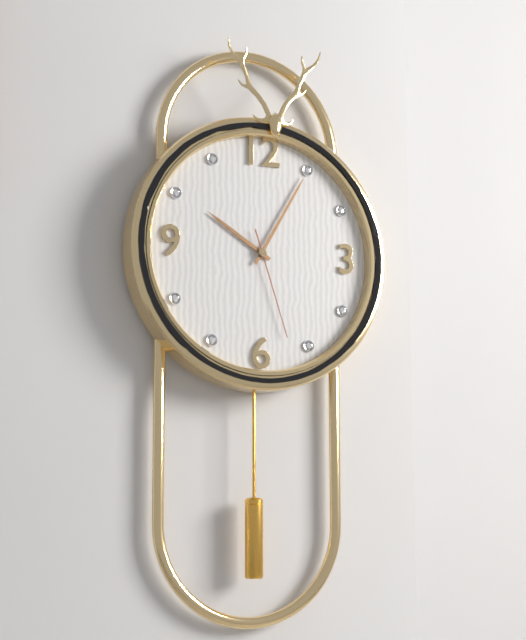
**10:05:27**
